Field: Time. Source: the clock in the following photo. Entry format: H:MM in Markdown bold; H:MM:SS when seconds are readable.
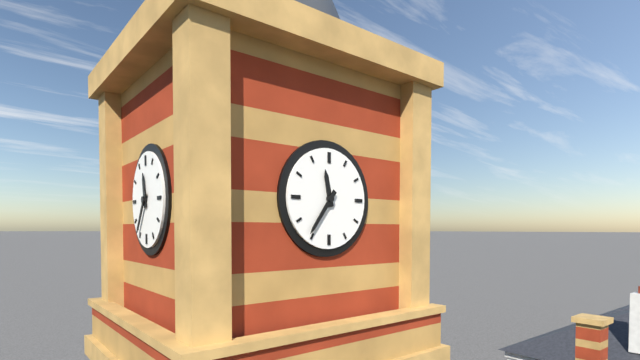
**11:36**
